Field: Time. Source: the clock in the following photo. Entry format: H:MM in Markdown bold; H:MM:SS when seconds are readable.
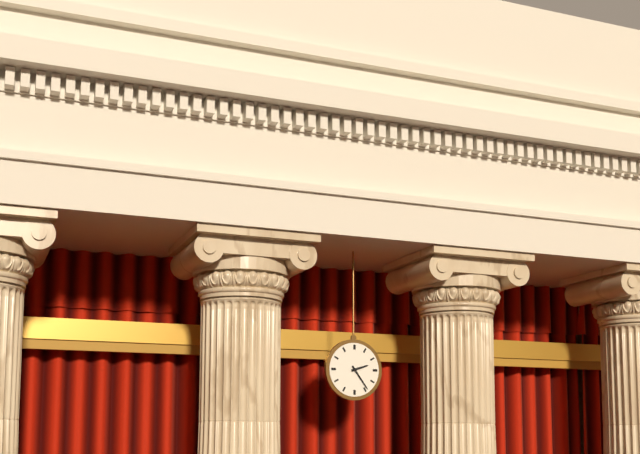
**2:24**
